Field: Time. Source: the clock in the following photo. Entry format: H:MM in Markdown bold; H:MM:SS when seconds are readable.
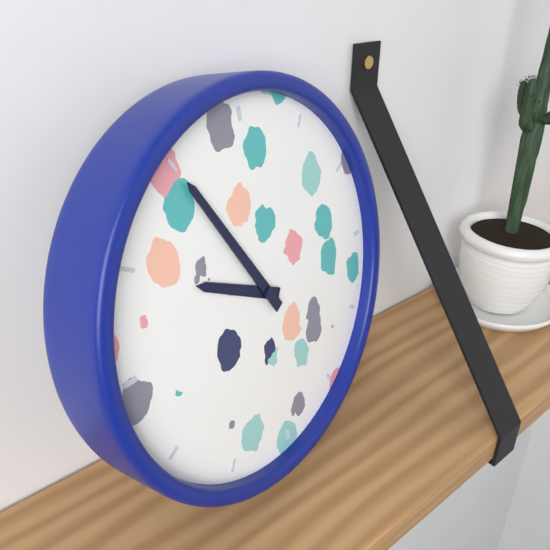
**9:55**
